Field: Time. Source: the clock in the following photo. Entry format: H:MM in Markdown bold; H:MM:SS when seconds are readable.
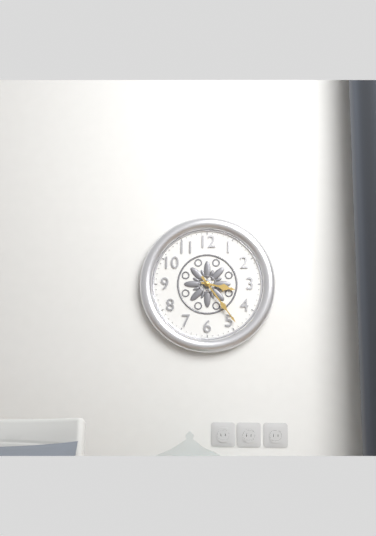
**3:24**
